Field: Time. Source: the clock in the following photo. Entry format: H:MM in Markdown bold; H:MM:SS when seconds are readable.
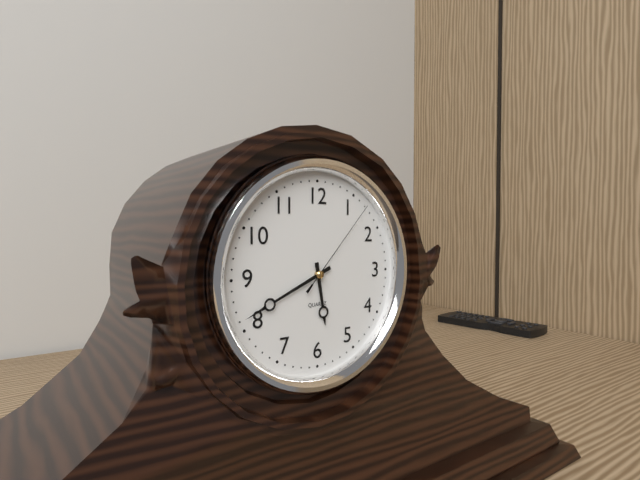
**5:41:07**
